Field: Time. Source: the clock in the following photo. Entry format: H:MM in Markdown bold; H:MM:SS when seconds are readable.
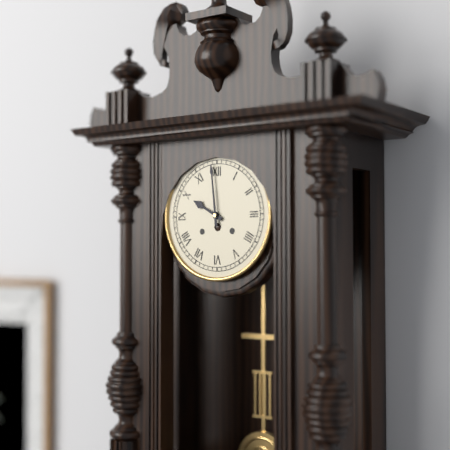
**9:59**
